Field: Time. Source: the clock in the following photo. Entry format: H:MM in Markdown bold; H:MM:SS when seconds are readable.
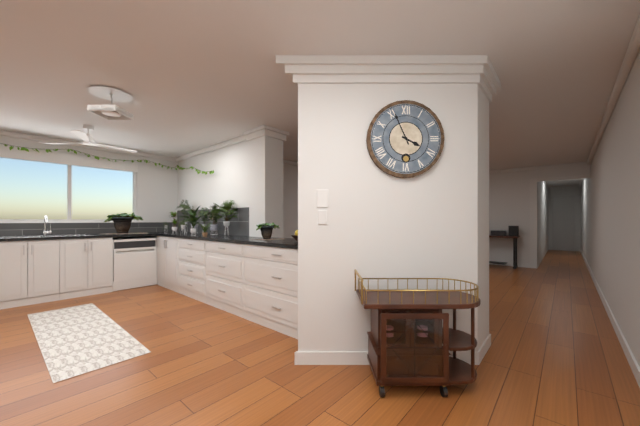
**3:56**
